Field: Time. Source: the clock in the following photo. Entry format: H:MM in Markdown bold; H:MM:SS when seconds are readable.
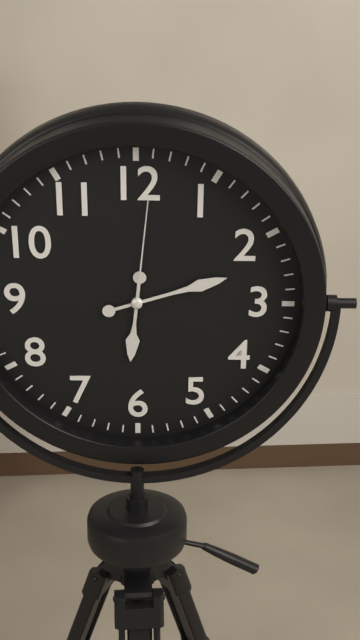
**6:12:01**
